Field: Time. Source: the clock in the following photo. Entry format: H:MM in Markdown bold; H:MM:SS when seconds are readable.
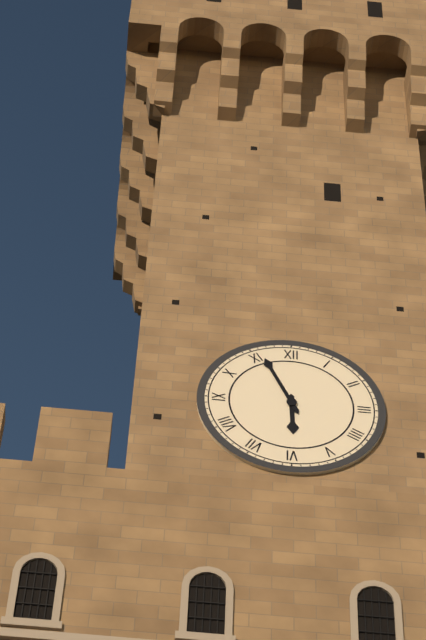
**5:56**
